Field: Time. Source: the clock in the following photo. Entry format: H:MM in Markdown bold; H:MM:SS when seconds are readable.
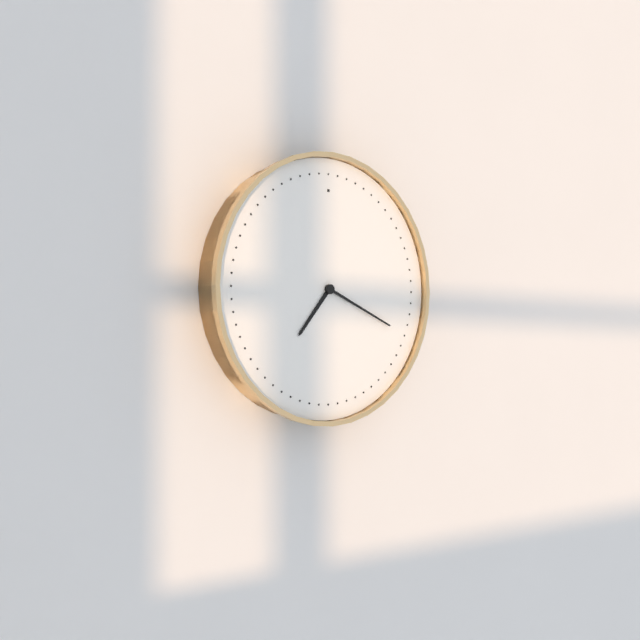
**7:19**
